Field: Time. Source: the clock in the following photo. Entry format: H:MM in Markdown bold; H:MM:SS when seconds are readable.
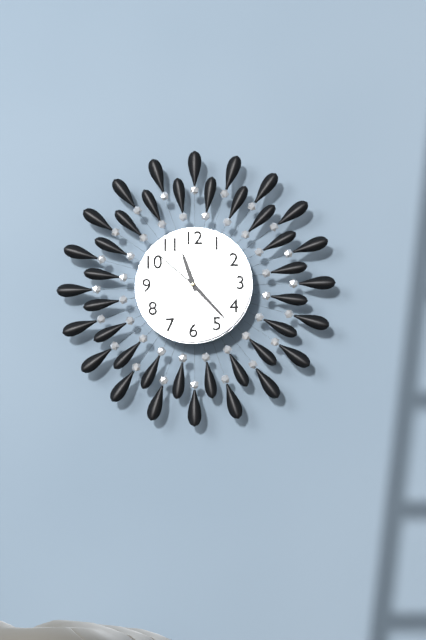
**11:23:52**
